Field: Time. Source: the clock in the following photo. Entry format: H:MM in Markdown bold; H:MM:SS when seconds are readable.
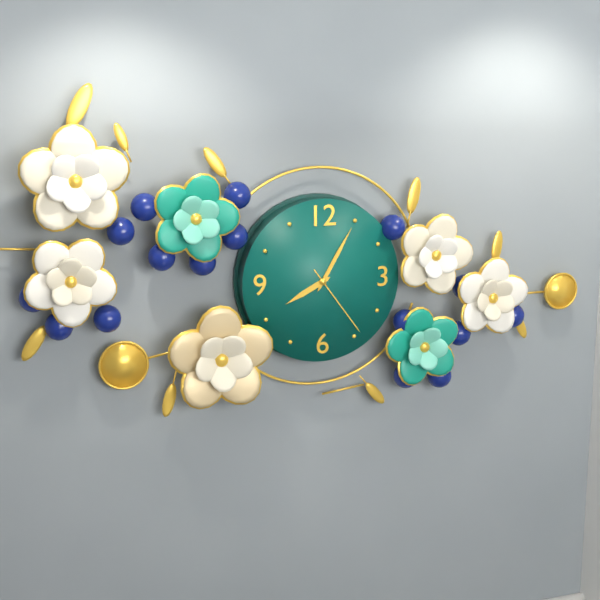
**8:05:24**
